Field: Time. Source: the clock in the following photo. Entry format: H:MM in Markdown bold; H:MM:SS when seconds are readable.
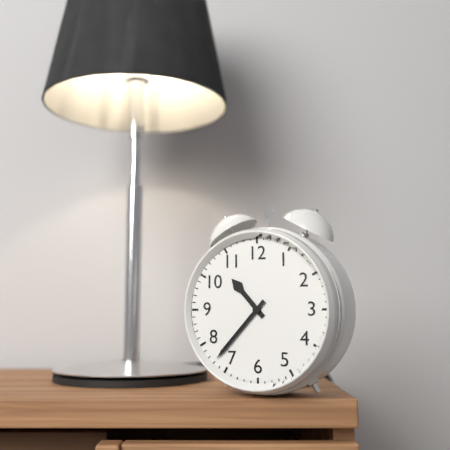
**10:37**
